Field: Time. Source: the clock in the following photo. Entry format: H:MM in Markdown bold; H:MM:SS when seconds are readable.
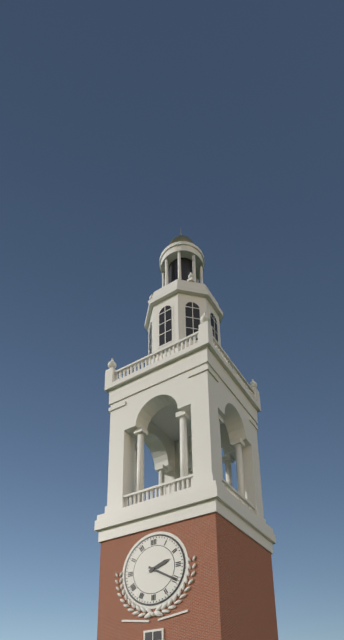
**2:20**
